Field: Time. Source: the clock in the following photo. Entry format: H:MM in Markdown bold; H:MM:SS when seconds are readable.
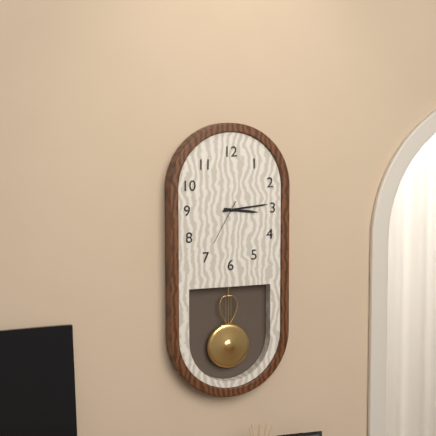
**3:14**
